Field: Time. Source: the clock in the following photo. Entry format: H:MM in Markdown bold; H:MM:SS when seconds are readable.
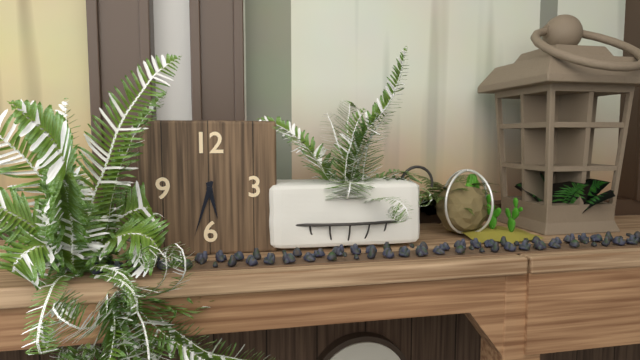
**5:33**
